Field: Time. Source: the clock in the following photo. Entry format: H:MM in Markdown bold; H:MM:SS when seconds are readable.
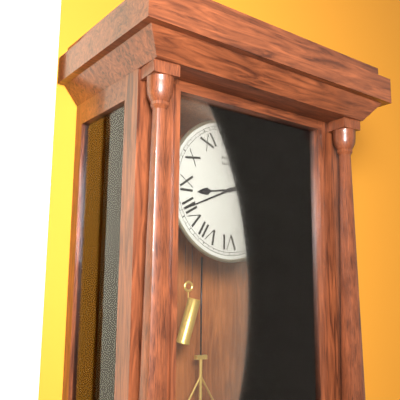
**8:41**
